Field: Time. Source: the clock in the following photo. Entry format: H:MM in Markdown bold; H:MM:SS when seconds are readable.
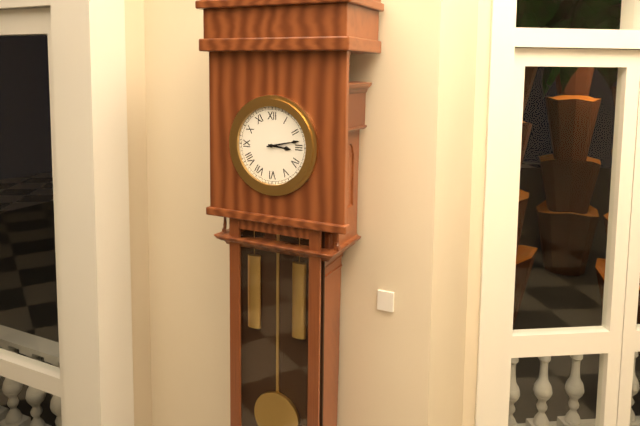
**3:13**
